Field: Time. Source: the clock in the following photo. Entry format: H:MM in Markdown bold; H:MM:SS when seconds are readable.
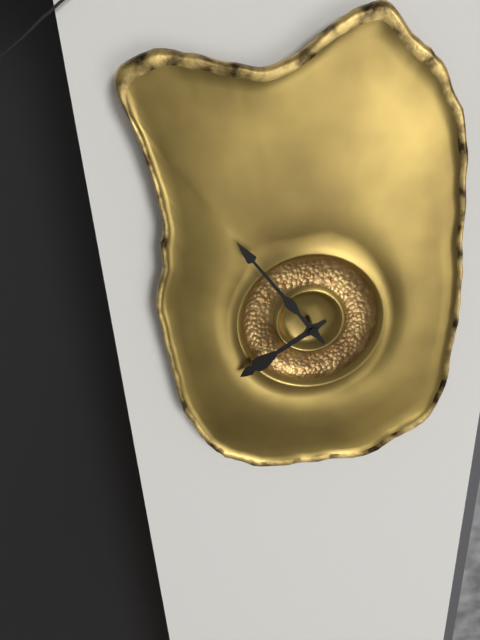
**7:54**
